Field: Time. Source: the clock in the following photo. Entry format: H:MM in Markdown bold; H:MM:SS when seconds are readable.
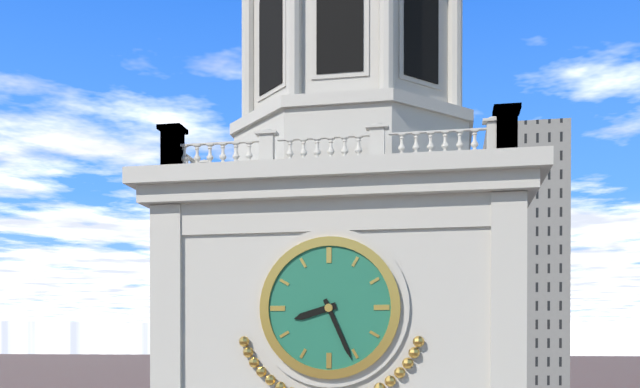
**8:26**
